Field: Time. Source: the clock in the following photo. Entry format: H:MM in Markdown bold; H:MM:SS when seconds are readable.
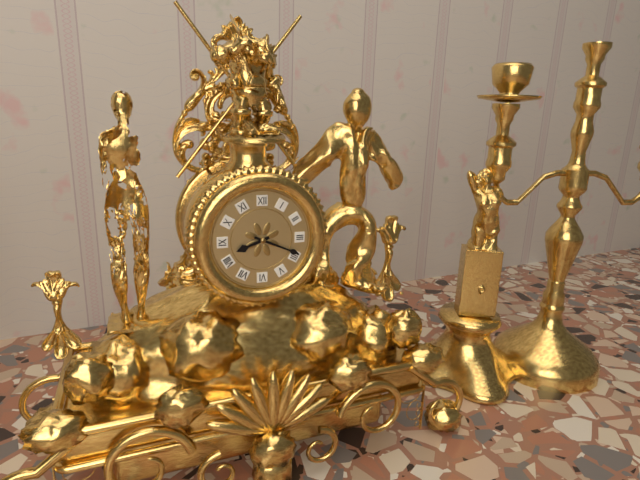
**8:19**
